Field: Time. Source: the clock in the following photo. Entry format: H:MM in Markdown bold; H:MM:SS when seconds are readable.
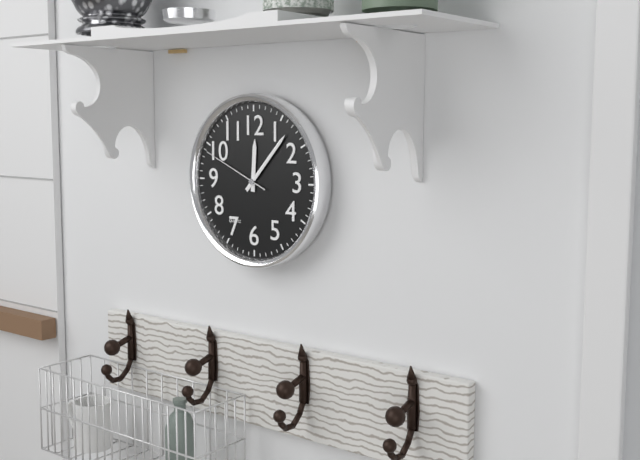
**12:07:49**
